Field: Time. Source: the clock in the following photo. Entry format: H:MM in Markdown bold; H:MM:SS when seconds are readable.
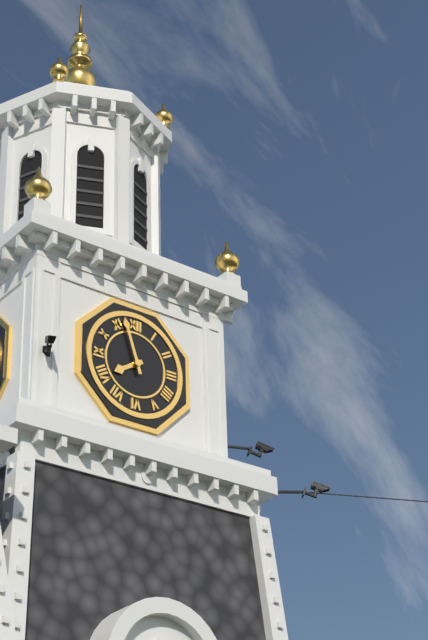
**7:57**
